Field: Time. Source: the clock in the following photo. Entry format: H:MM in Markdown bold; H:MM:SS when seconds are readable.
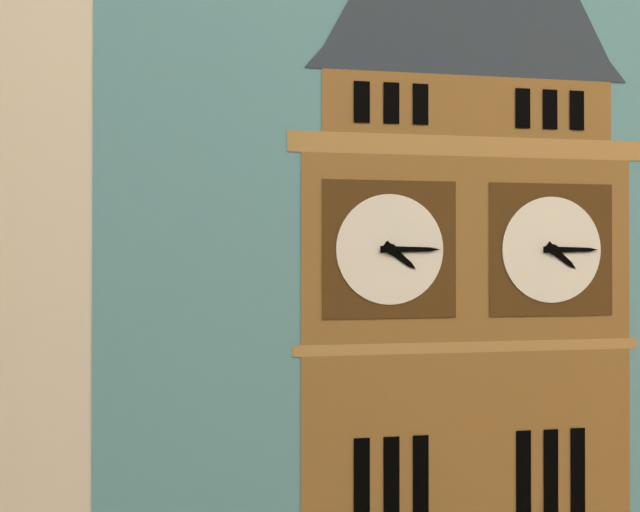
**4:15**
